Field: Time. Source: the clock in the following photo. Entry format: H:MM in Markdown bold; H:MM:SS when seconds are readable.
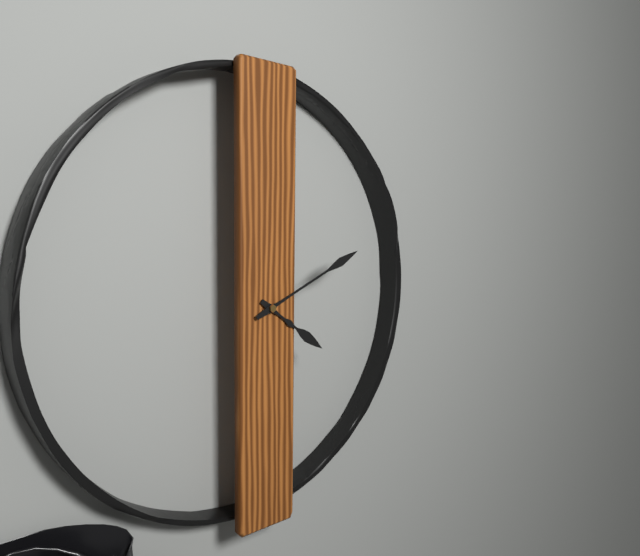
**4:11**
